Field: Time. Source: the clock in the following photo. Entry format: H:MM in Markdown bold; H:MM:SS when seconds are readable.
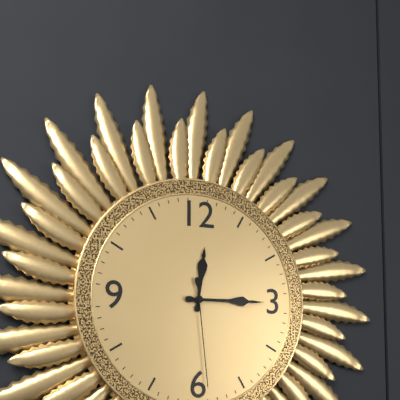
**12:15:29**
